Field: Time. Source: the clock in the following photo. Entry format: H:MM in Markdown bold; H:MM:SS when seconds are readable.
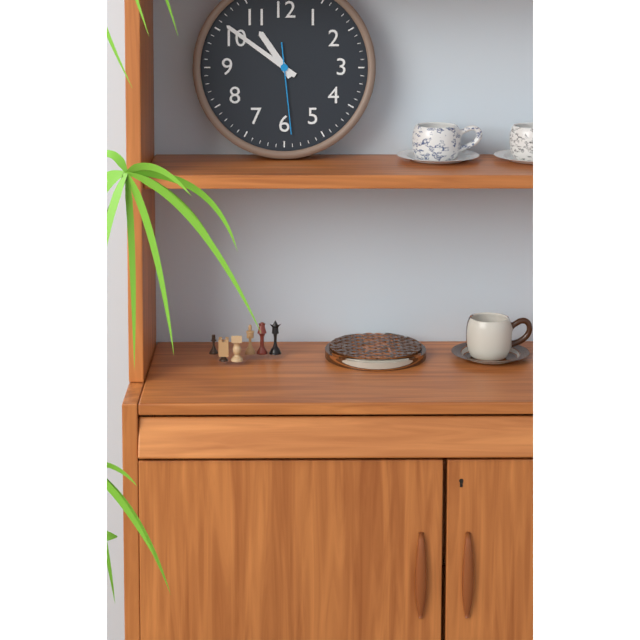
**10:51:29**
